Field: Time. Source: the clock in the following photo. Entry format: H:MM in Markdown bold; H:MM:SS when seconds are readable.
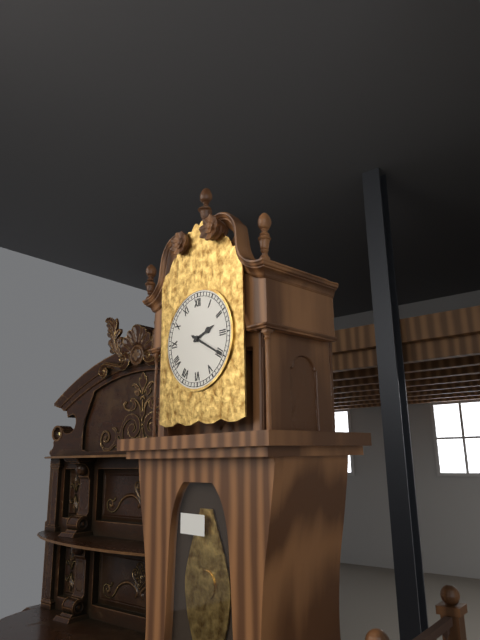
**2:20**
